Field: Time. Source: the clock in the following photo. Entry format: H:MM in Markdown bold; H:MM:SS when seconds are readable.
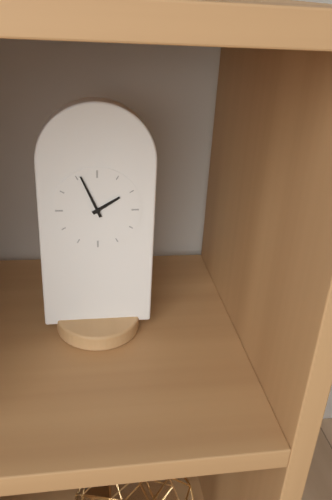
**1:56**
